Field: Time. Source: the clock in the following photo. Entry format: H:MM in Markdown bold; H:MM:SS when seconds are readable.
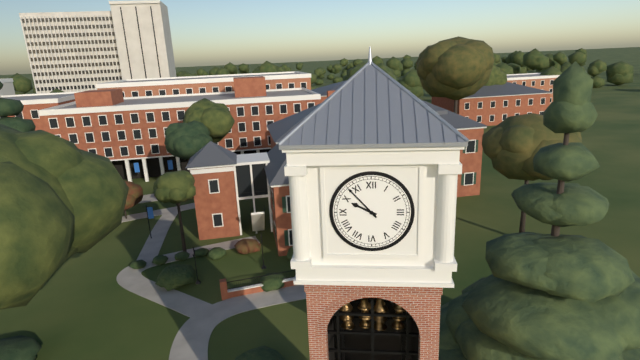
**9:53**
